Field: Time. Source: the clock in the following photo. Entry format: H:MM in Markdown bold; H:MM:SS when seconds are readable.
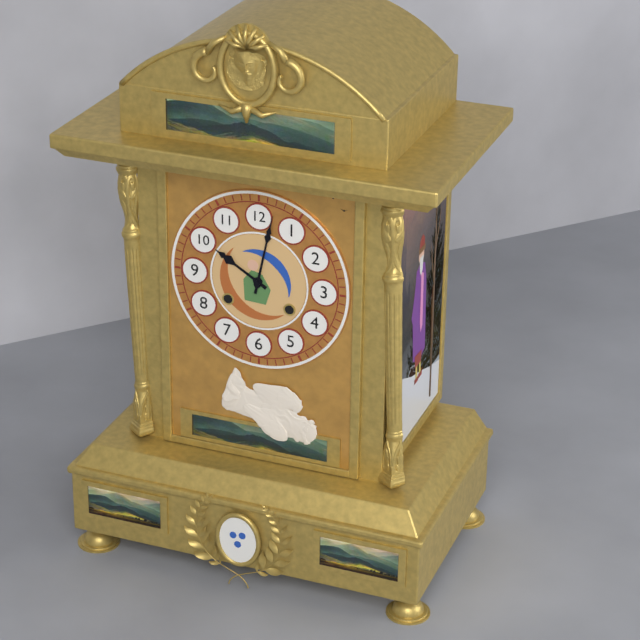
**10:02**
